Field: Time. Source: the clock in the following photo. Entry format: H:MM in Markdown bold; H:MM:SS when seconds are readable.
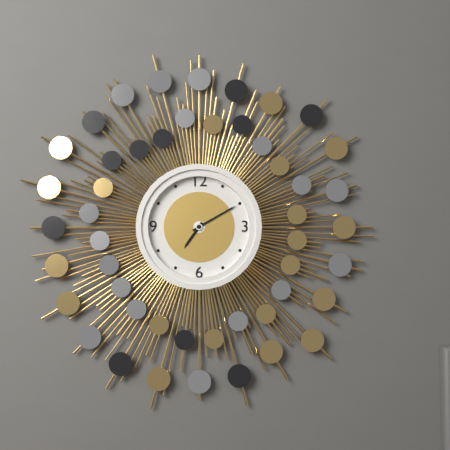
**7:10**
